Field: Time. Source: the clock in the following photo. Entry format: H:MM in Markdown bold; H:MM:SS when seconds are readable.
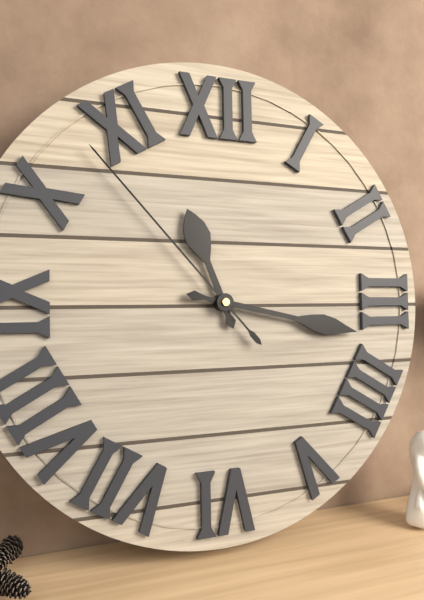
**11:17:53**
